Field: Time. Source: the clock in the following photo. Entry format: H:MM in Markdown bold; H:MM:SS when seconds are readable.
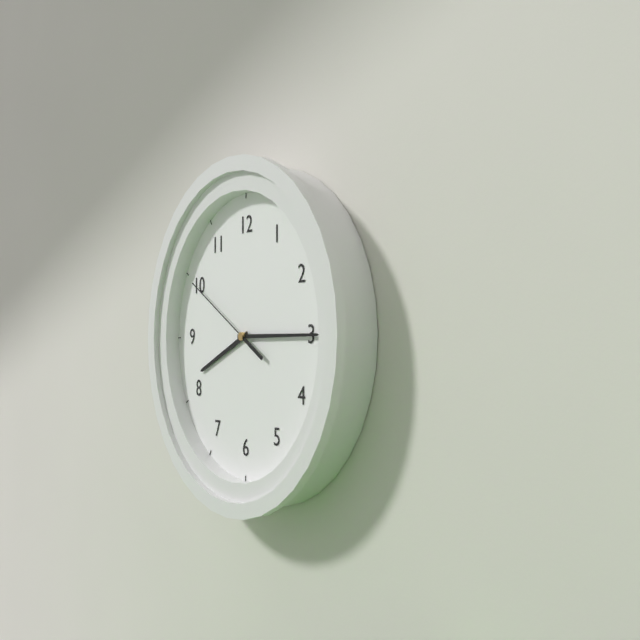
**8:15:50**
